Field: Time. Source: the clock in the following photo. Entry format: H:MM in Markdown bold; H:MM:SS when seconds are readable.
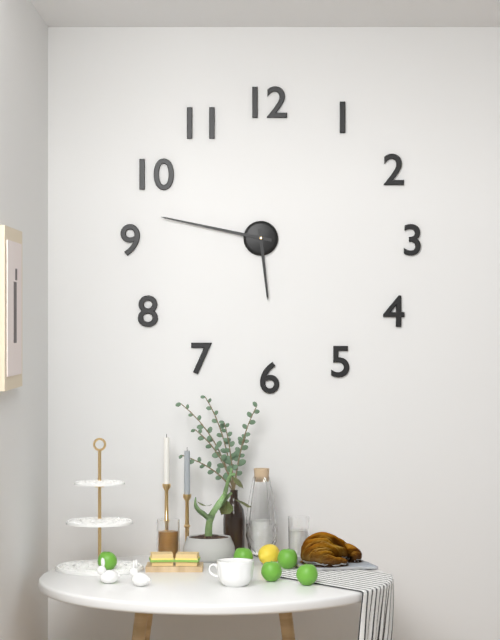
**5:47**
